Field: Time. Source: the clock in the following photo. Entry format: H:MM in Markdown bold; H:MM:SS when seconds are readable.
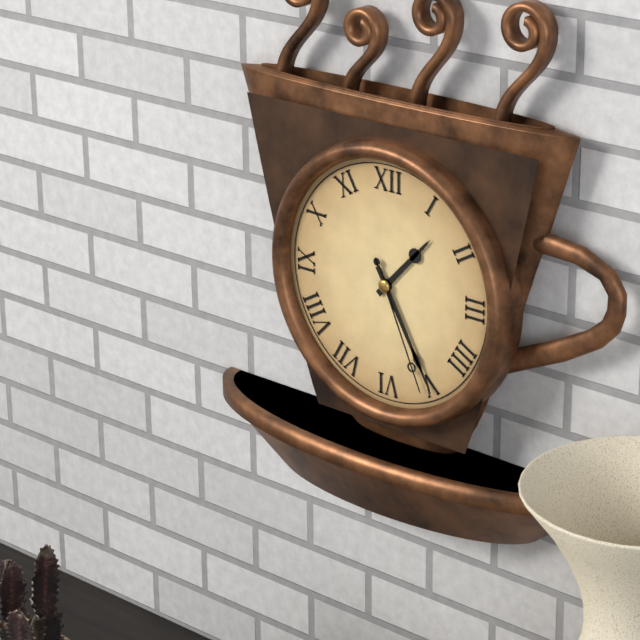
**1:25:26**
